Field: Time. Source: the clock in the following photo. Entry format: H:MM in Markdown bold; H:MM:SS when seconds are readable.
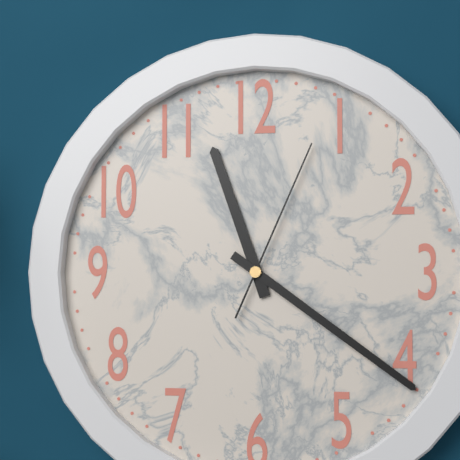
**11:21:04**
